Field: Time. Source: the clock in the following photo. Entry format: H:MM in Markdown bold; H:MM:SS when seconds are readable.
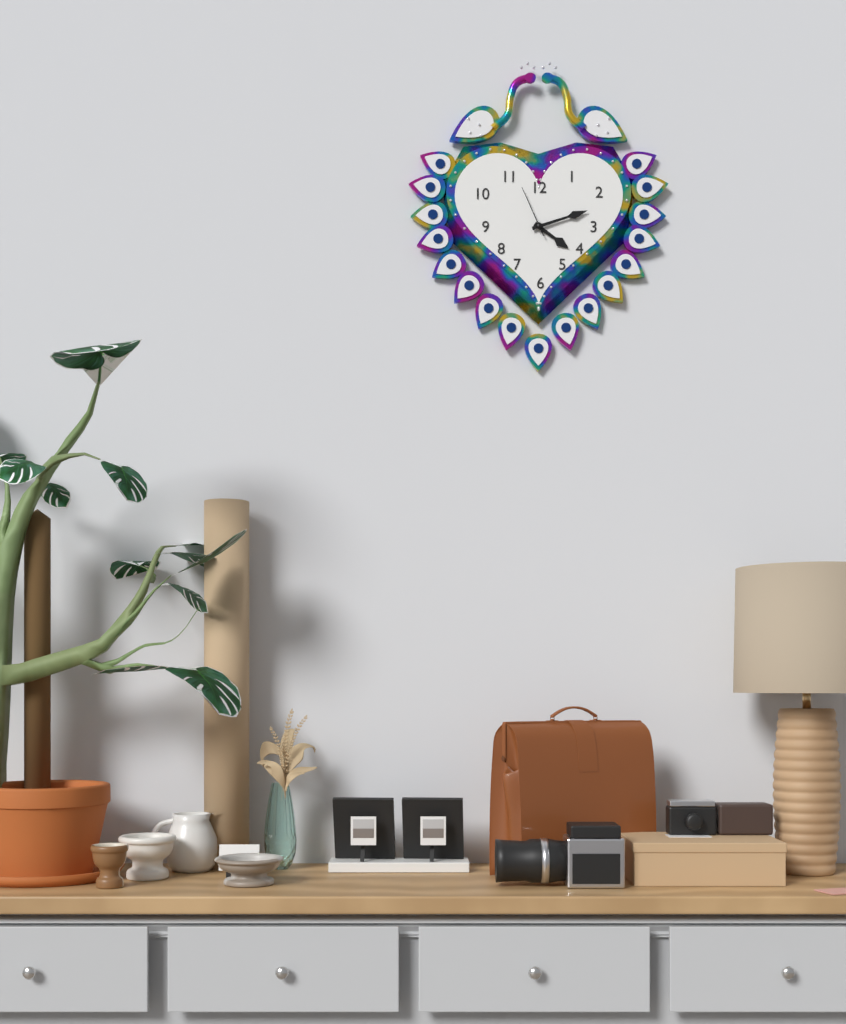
**4:12:56**
